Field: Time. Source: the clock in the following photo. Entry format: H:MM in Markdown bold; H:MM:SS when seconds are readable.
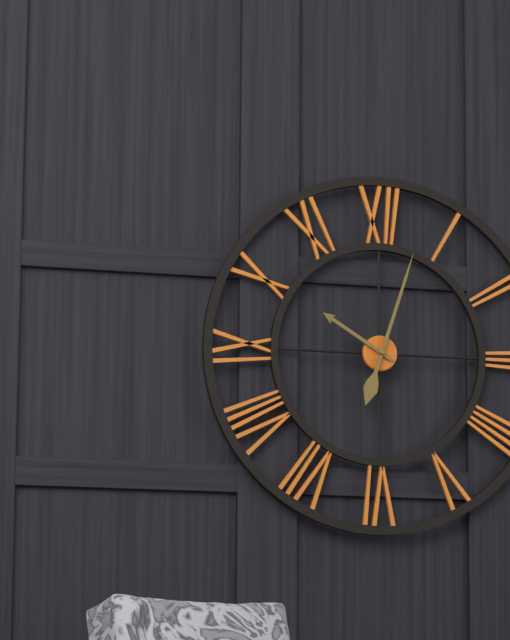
**10:03**
